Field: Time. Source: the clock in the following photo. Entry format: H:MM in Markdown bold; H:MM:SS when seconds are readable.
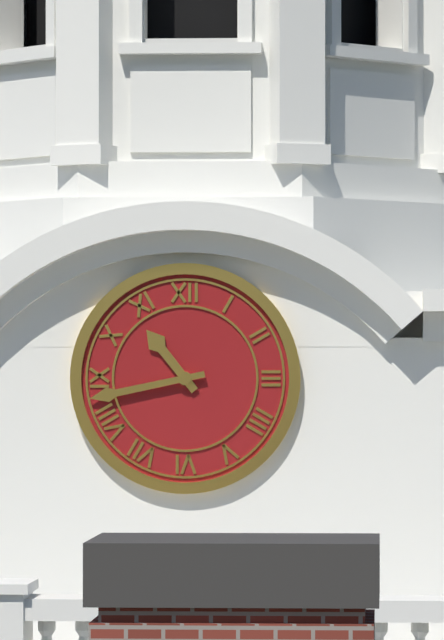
**10:43**
